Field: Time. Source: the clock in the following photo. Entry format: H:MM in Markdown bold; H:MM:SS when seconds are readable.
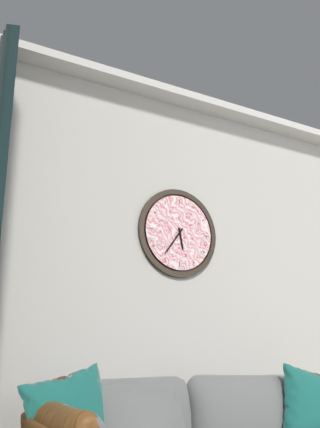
**5:36**
